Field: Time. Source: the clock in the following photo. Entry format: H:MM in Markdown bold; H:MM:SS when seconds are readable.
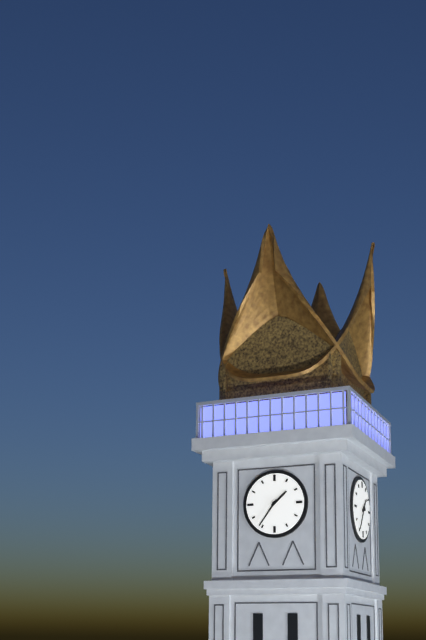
**1:36**
